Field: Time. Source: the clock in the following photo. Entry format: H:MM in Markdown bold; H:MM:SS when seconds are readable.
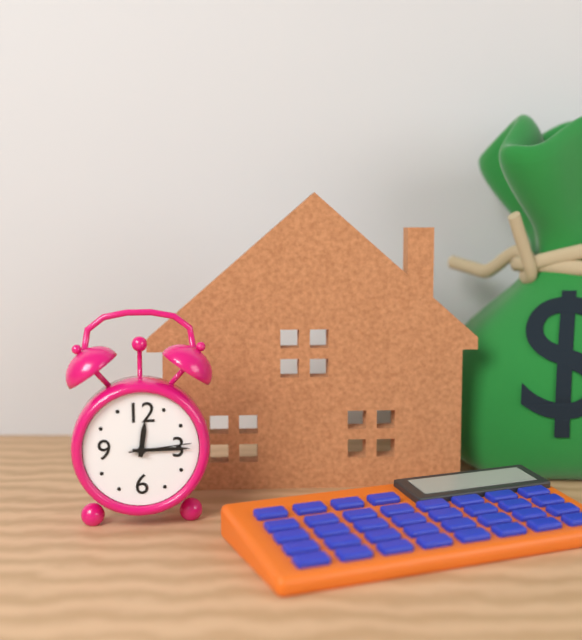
**12:15:14**
